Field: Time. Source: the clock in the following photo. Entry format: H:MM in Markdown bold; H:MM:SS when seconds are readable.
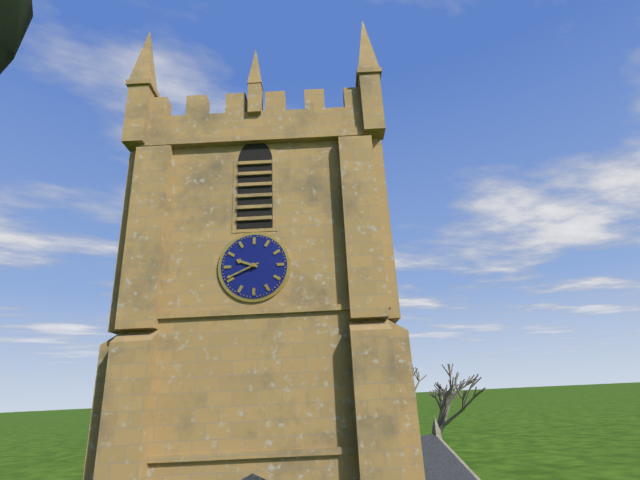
**9:41**
